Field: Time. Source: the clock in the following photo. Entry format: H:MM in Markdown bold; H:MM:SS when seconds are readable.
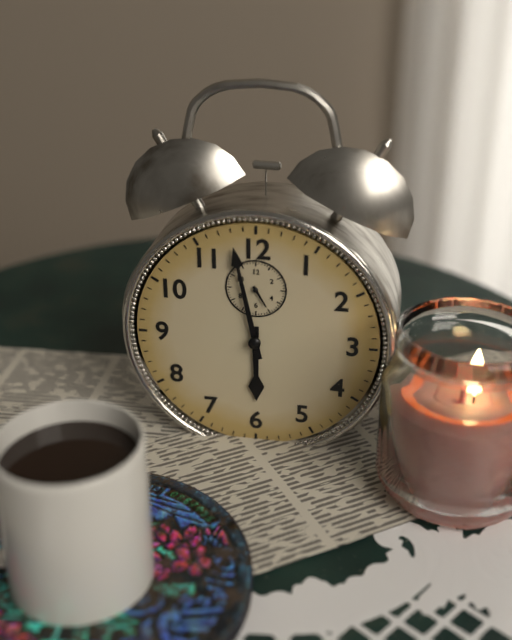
**5:58**
